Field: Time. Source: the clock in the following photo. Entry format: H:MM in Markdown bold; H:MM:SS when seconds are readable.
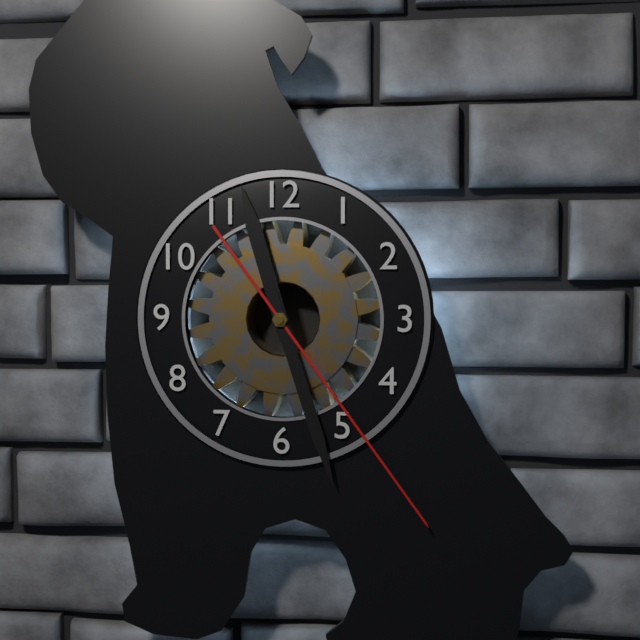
**11:27:24**
